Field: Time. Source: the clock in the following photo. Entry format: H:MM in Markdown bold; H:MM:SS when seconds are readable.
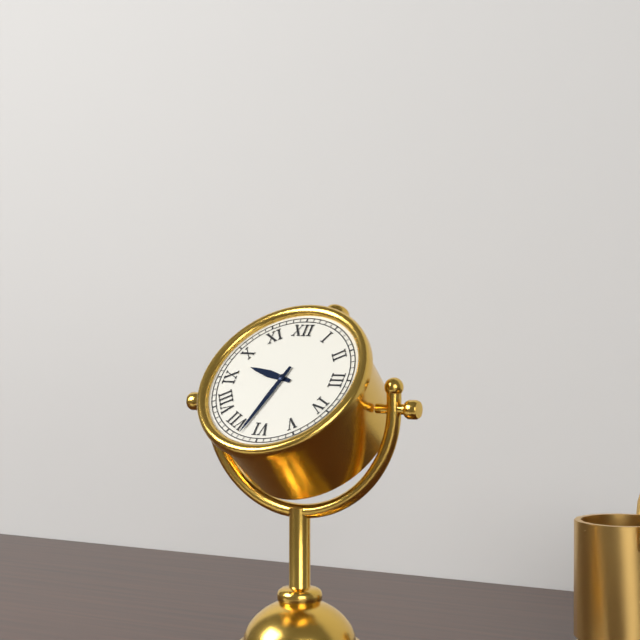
**9:33**
